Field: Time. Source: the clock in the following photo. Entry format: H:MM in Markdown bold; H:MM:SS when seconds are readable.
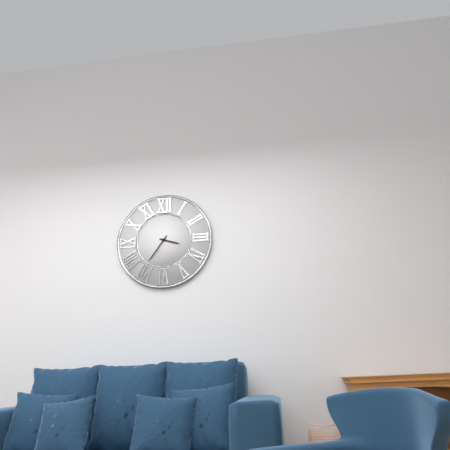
**3:36**
